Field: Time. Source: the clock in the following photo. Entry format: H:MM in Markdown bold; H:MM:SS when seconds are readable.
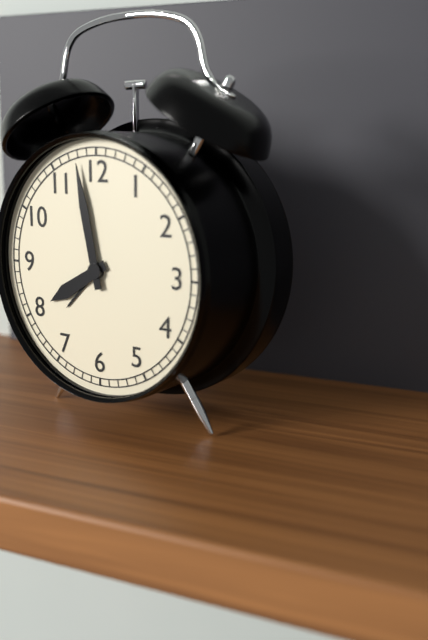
**7:58**
